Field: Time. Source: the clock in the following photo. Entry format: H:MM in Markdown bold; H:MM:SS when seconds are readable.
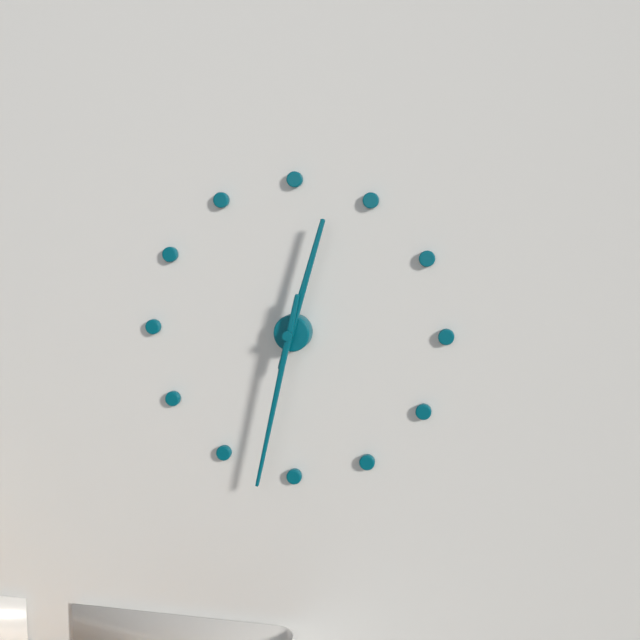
**12:32**
